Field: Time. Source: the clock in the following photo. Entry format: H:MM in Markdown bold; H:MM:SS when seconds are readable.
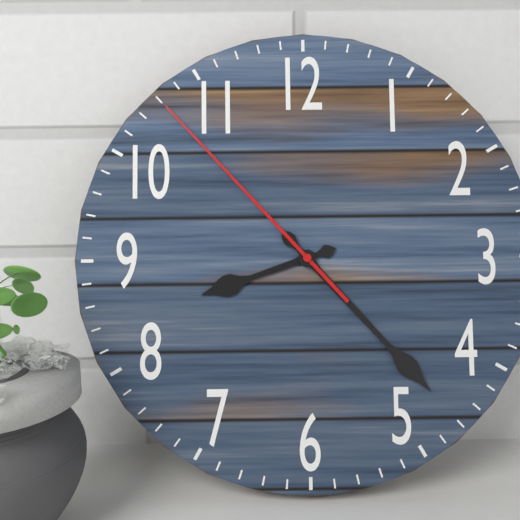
**8:23:53**
